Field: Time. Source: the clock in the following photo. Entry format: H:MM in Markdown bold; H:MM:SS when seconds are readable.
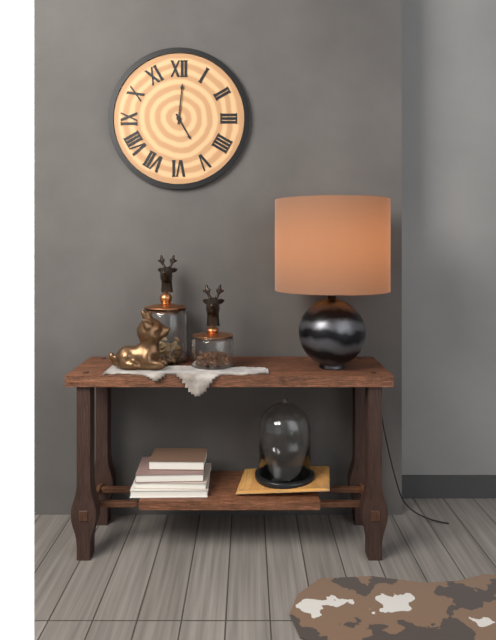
**5:01**
